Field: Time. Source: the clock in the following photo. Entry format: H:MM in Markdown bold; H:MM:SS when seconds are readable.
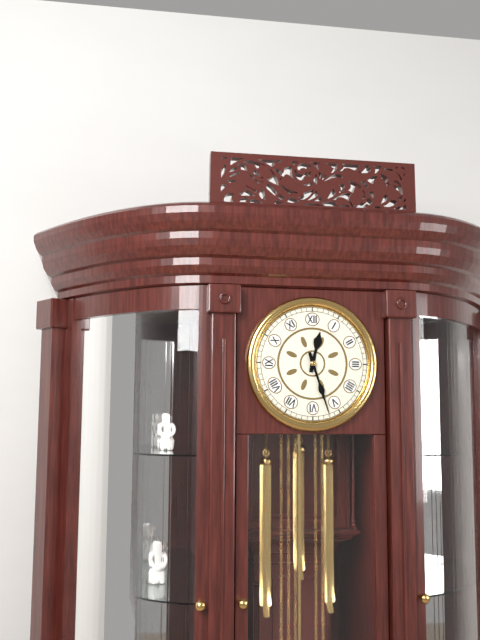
**12:27**
